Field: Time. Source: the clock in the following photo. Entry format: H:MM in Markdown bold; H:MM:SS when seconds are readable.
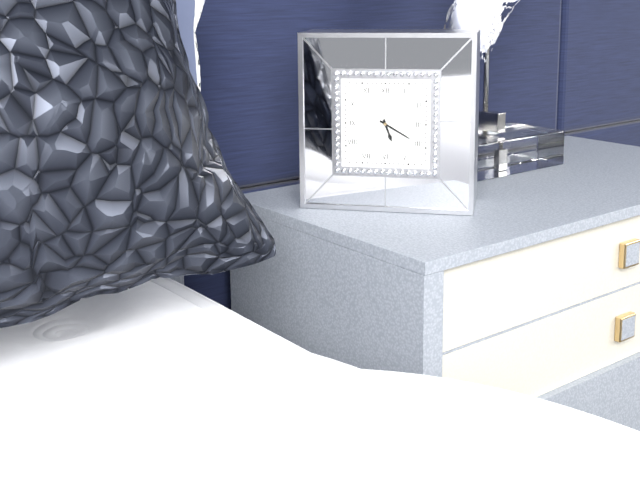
**5:20**
